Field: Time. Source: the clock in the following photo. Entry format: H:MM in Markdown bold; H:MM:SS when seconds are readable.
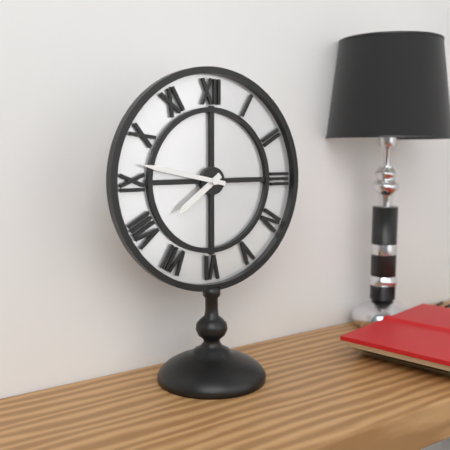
**7:47**
